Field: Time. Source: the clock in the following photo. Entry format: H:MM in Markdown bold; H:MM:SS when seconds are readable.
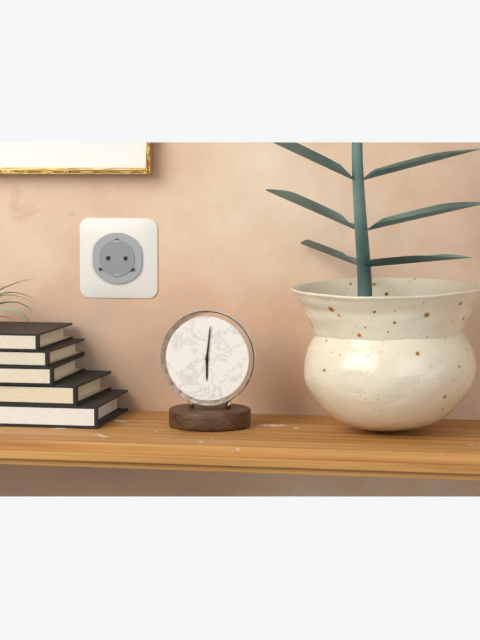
**6:01**
